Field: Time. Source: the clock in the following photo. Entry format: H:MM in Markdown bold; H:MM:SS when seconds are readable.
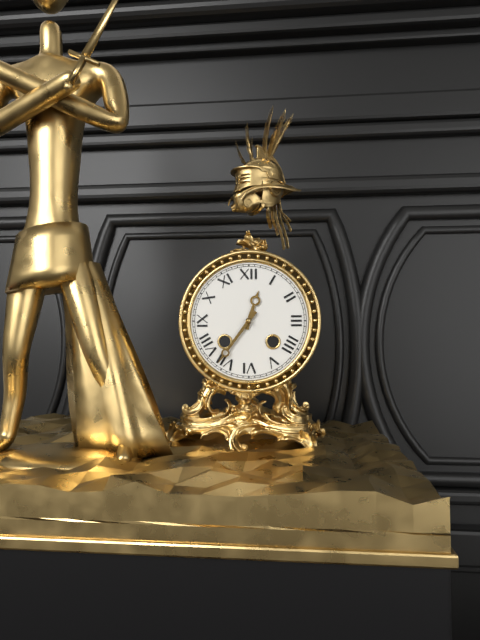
**12:36**
